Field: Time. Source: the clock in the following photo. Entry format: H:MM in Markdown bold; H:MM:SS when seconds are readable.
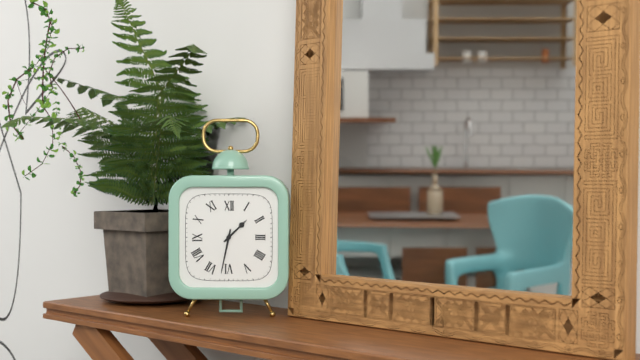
**1:32**
